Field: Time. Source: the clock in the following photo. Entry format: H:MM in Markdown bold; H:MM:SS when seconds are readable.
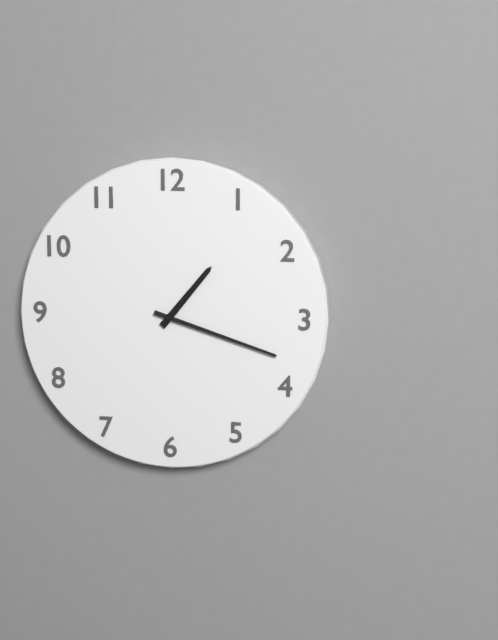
**1:18**
